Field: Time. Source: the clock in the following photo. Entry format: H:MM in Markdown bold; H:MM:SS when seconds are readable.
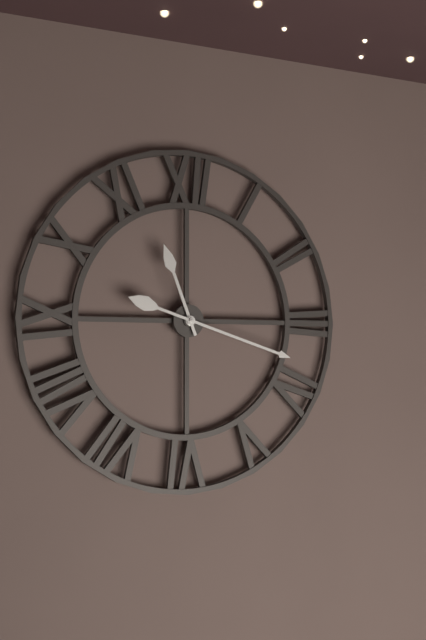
**11:18**
